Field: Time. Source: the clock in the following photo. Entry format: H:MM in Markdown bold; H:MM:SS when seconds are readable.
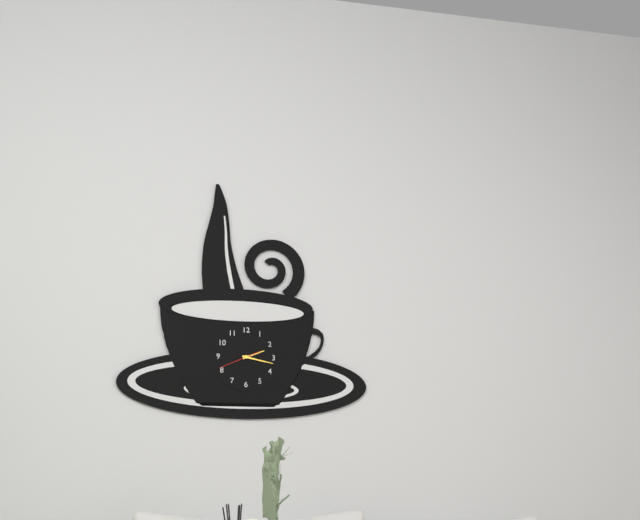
**2:17**
